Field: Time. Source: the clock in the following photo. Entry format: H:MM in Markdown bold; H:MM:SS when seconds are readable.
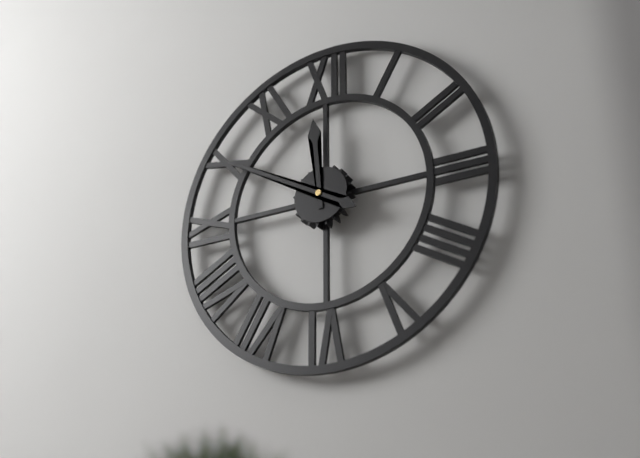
**11:50**
